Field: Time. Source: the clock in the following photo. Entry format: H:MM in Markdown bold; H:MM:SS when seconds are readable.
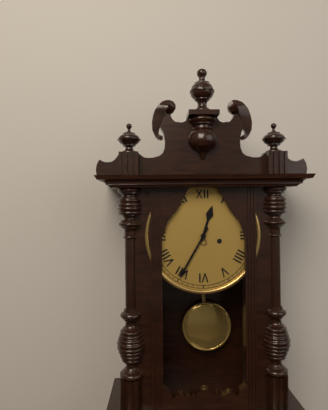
**12:35**
